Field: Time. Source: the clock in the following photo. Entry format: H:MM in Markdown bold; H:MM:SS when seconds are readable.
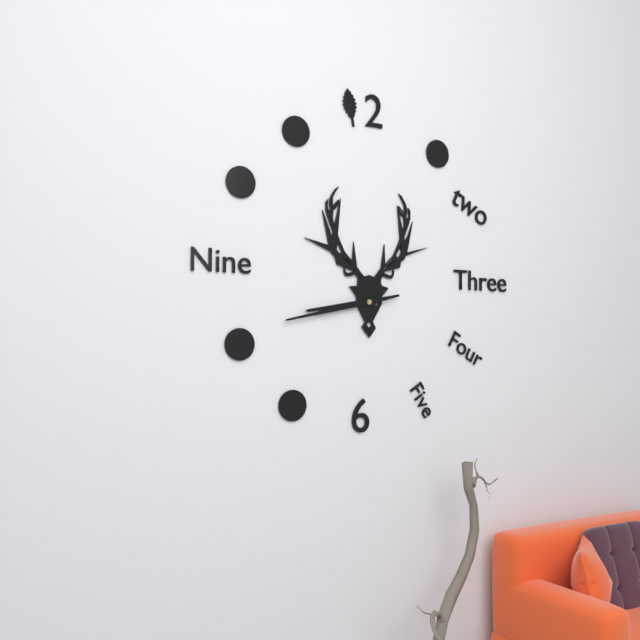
**8:43**
